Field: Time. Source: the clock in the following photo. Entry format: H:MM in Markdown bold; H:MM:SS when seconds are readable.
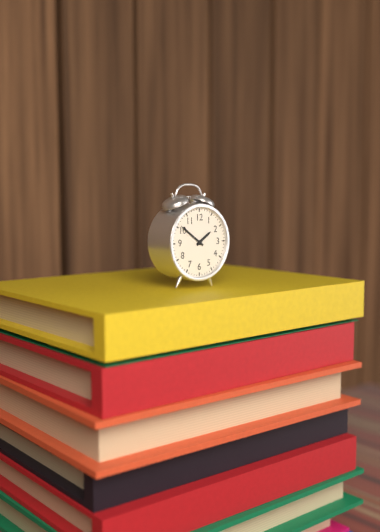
**1:51**
